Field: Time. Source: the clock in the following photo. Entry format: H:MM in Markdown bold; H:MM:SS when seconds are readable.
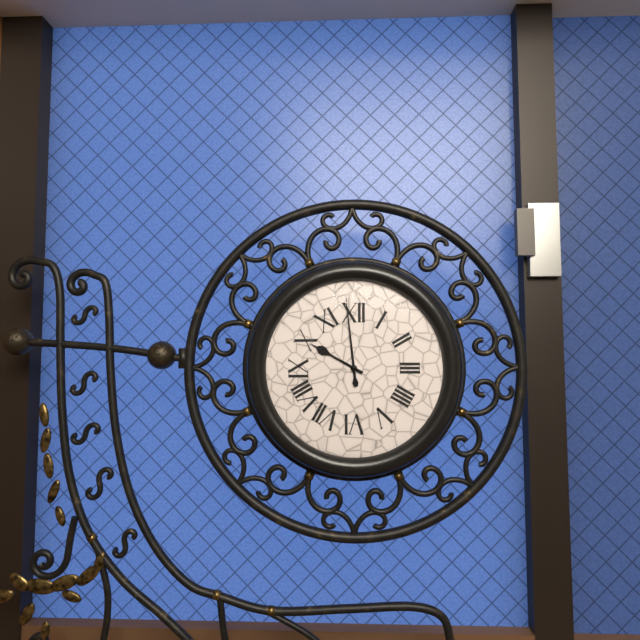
**9:59**
